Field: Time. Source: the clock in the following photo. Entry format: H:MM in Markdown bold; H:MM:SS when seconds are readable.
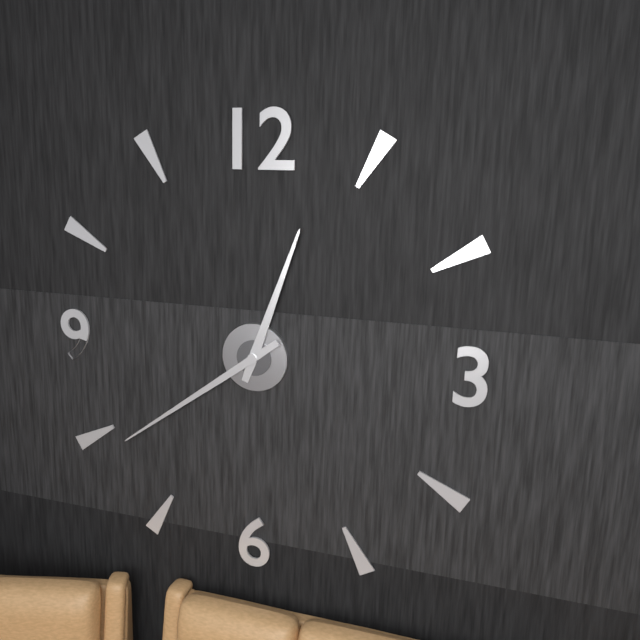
**12:39**
